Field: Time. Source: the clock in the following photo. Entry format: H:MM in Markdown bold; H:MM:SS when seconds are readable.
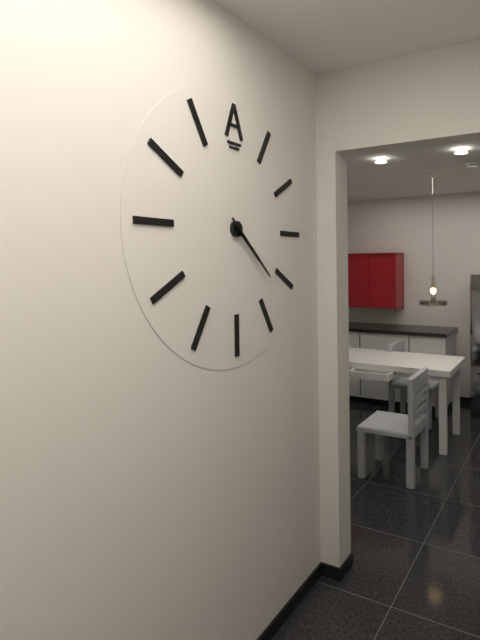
**4:22**
